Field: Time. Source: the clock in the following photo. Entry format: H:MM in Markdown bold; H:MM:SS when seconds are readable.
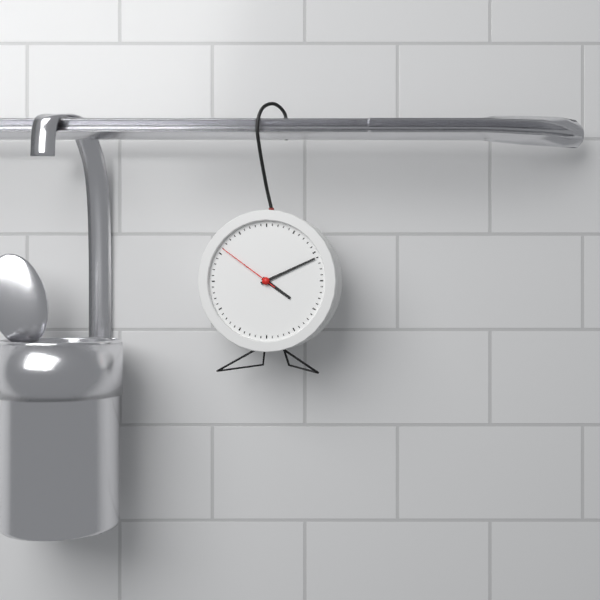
**4:11:51**
